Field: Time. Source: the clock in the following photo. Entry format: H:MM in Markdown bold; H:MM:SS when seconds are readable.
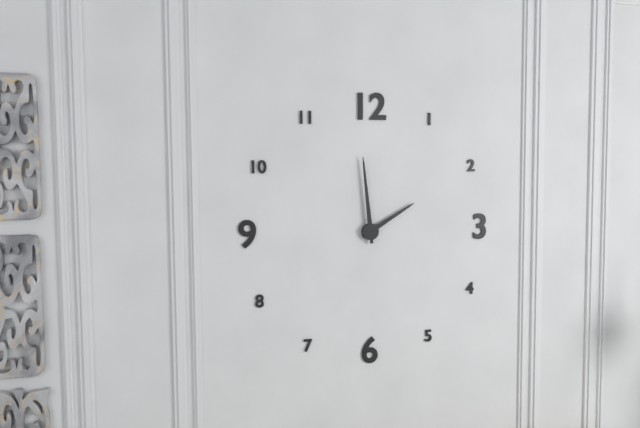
**1:59**
